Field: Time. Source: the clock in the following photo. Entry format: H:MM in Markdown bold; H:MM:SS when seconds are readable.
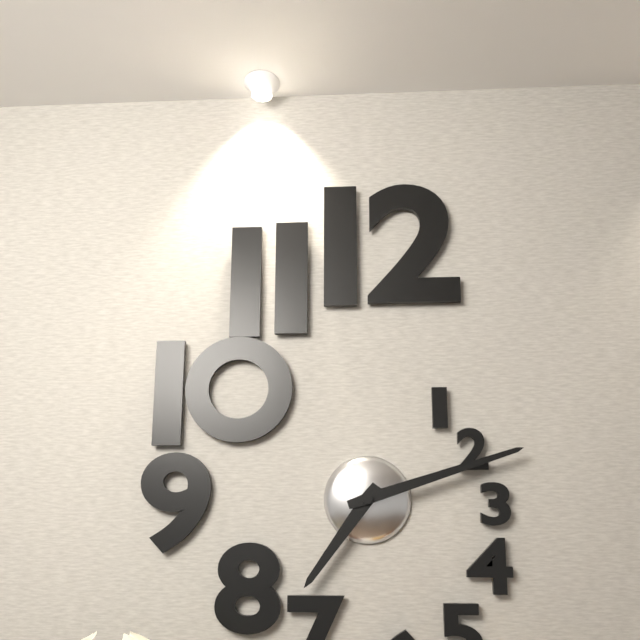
**7:12**
